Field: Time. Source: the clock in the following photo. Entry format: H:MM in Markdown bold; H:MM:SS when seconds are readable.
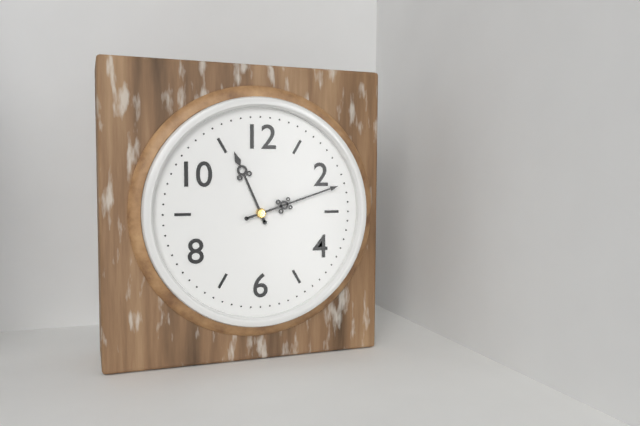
**11:12**
